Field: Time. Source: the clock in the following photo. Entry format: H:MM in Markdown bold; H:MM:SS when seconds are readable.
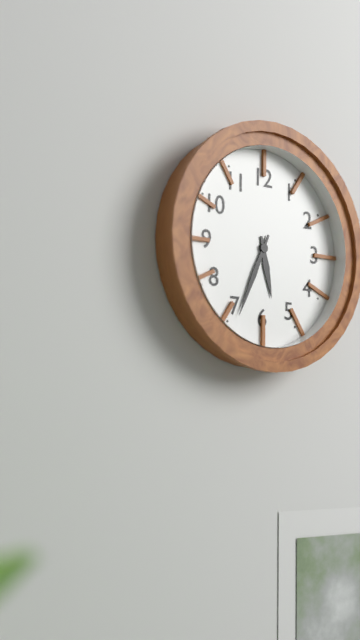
**5:34**
